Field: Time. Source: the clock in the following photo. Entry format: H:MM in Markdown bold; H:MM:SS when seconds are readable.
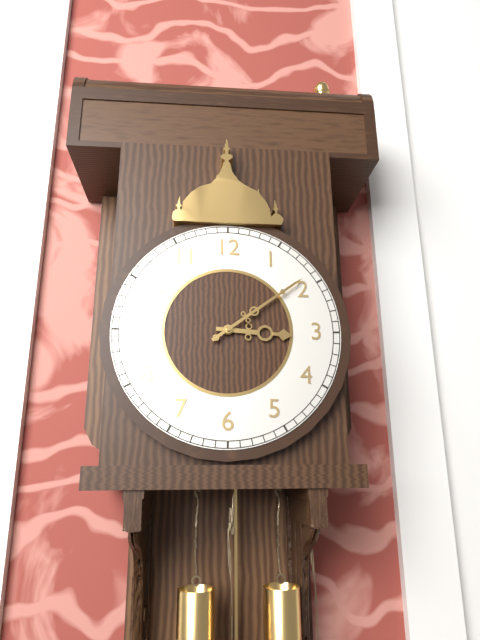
**3:09**
